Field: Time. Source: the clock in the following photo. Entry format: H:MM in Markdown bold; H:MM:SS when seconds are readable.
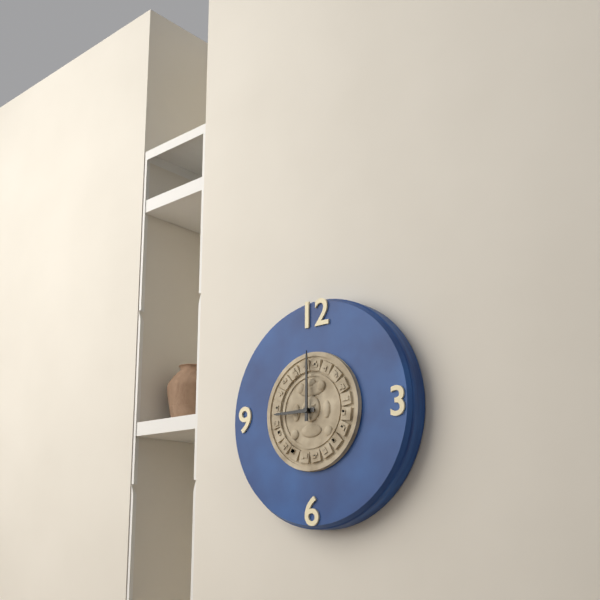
**9:00**
